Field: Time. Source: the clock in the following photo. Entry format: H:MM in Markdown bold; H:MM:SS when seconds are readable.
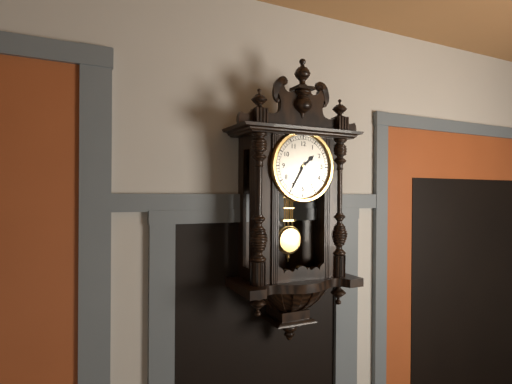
**1:35**
